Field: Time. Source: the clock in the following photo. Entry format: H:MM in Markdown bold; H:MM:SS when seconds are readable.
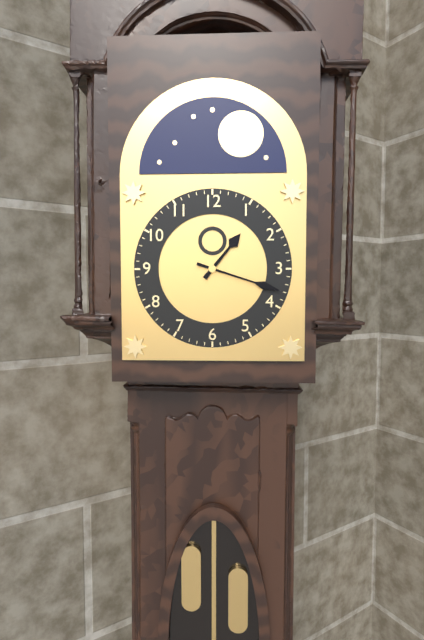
**1:18**
